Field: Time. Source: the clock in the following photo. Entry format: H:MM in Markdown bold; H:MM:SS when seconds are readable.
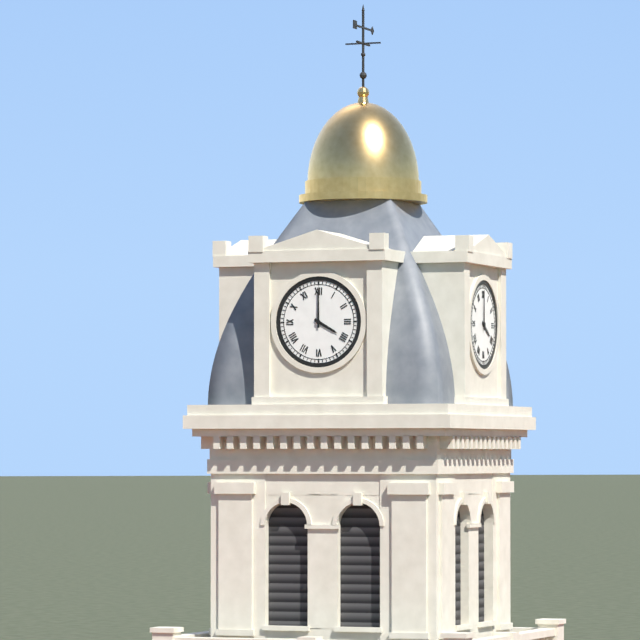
**4:00**
